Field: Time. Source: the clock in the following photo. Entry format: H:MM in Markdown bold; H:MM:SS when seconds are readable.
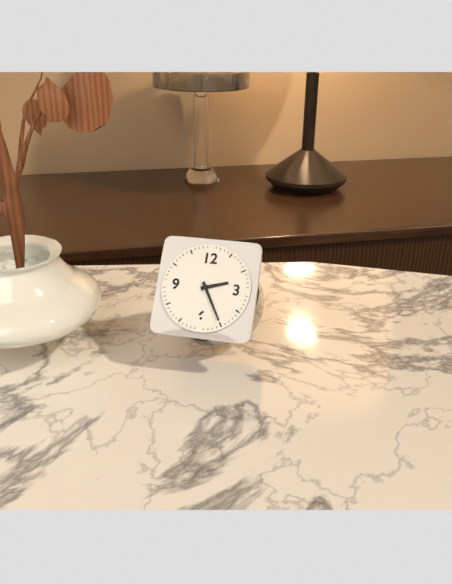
**2:25**
